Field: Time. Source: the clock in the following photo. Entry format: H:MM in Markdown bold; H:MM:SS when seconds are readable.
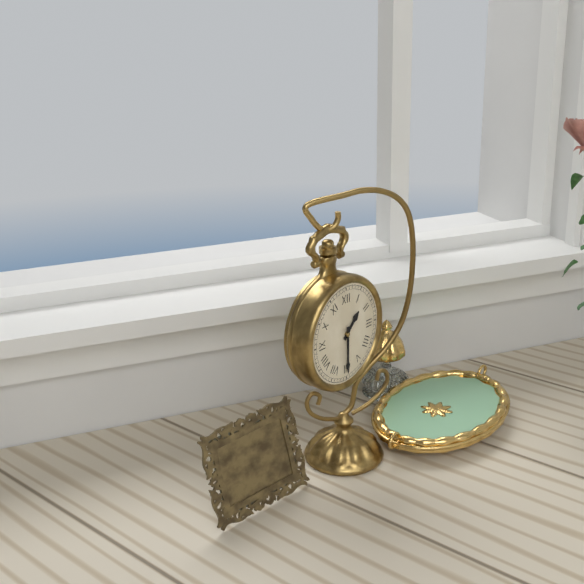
**1:30**
